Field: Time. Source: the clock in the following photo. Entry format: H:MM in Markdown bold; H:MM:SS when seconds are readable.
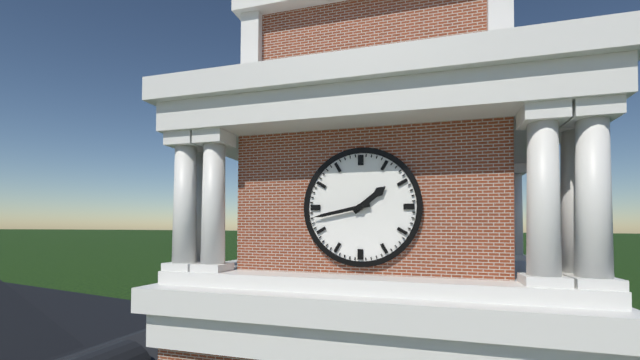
**1:43**
